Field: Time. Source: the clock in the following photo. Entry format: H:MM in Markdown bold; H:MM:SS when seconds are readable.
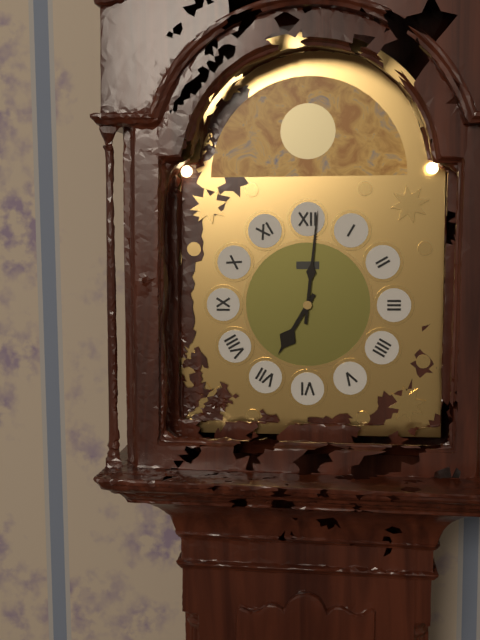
**7:01**
